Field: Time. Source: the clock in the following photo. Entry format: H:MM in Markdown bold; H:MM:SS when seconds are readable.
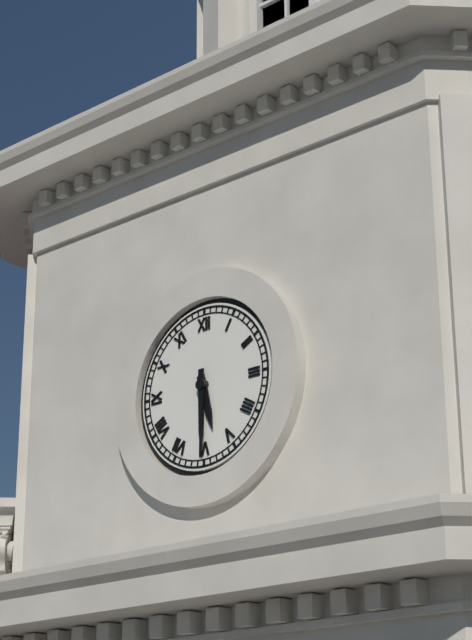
**5:30**
